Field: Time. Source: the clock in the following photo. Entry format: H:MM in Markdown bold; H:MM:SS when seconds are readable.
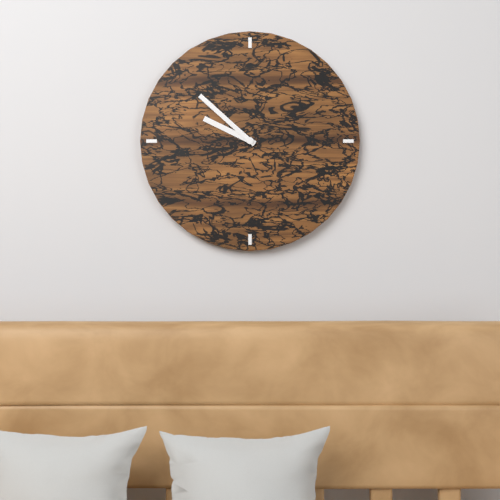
**9:52**
